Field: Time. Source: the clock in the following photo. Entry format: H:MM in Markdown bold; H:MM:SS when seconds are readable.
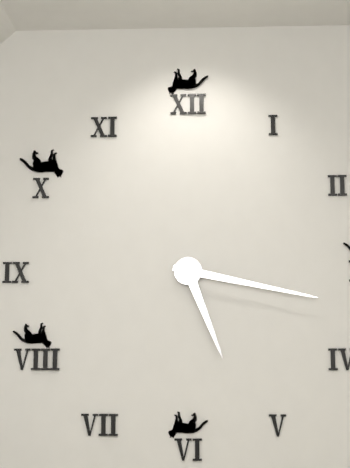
**5:17**
